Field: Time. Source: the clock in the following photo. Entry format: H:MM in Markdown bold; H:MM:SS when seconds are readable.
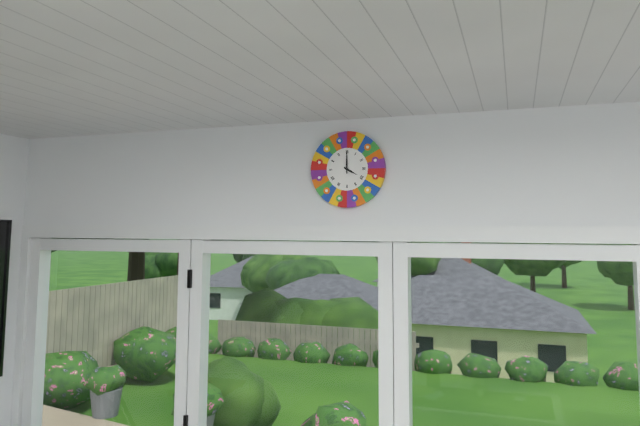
**4:00**
